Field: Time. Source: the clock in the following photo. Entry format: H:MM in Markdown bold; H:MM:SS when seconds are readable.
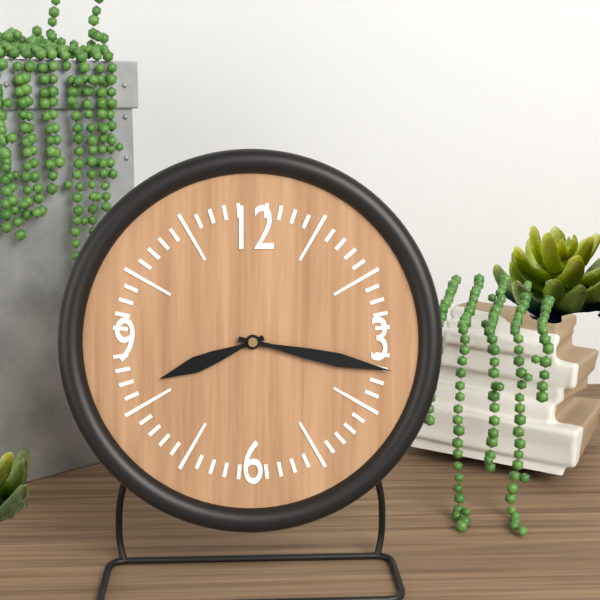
**8:17**
